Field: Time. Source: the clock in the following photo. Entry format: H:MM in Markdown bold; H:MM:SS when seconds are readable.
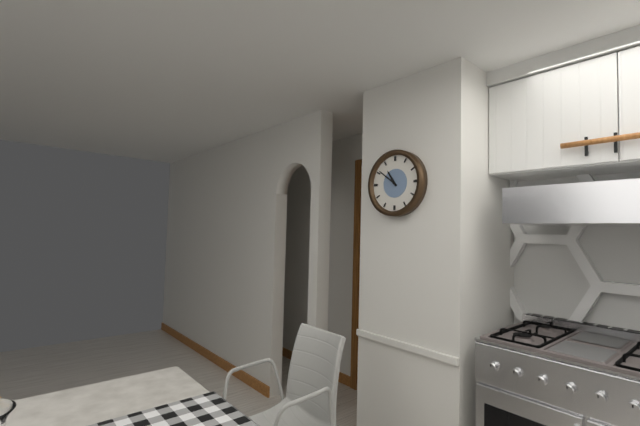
**10:51**
